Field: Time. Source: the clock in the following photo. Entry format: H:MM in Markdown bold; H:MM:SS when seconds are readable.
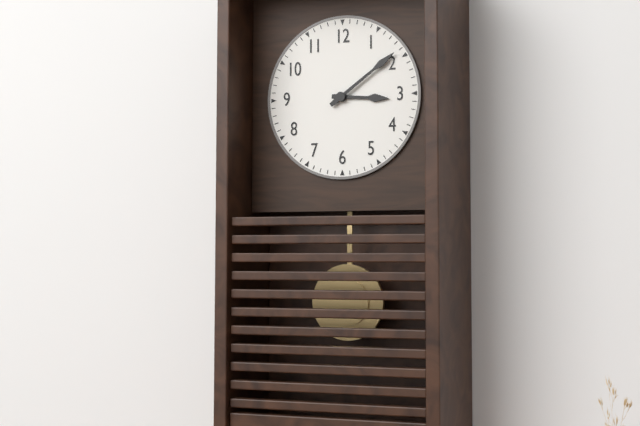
**3:09**
